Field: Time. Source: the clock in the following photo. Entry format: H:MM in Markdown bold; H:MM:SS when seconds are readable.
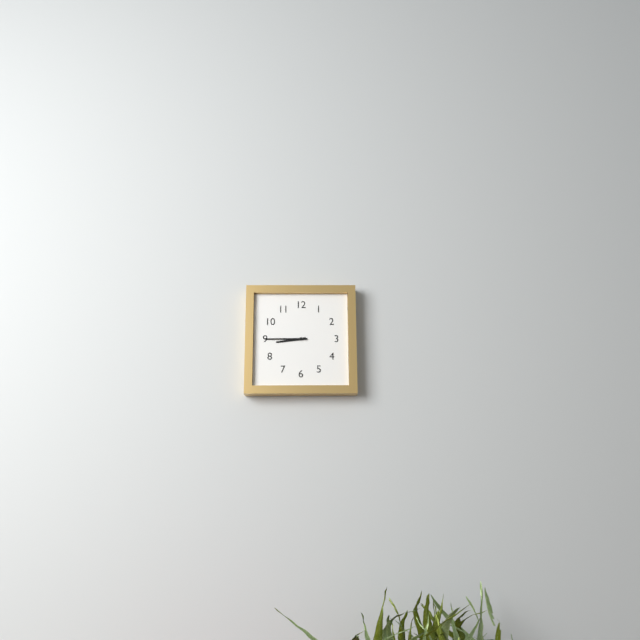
**8:45**
